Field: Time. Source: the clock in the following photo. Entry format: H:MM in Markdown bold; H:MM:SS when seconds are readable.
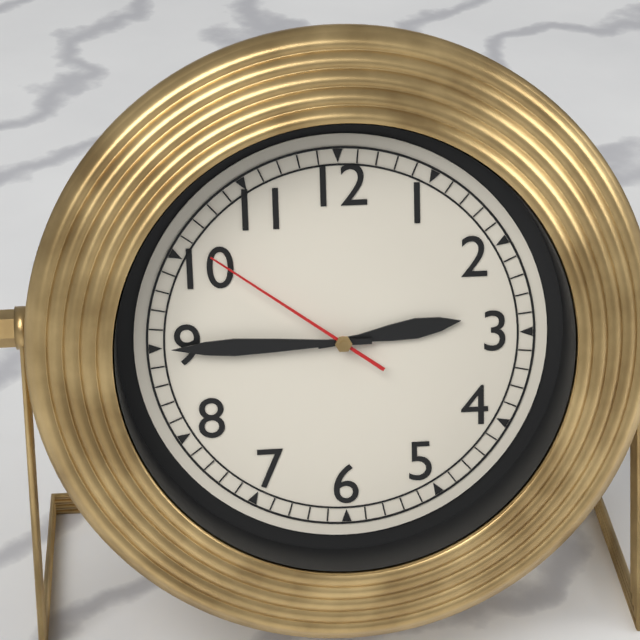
**2:45:51**
